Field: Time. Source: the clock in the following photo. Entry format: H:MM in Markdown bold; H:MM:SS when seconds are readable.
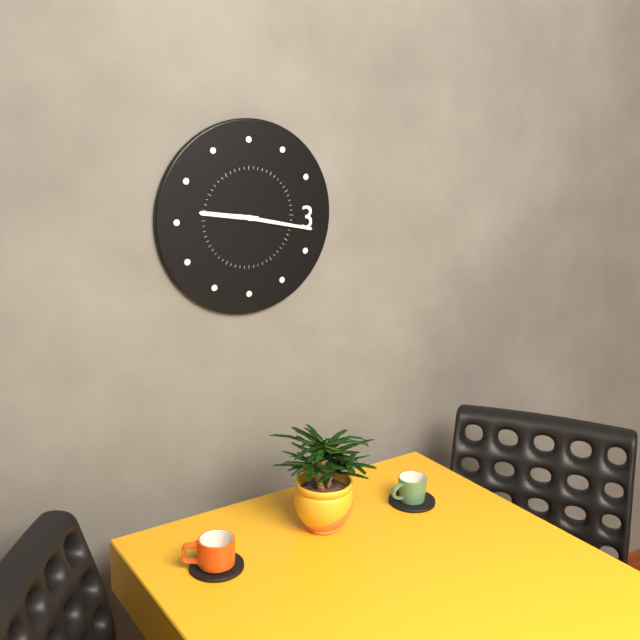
**9:17**
